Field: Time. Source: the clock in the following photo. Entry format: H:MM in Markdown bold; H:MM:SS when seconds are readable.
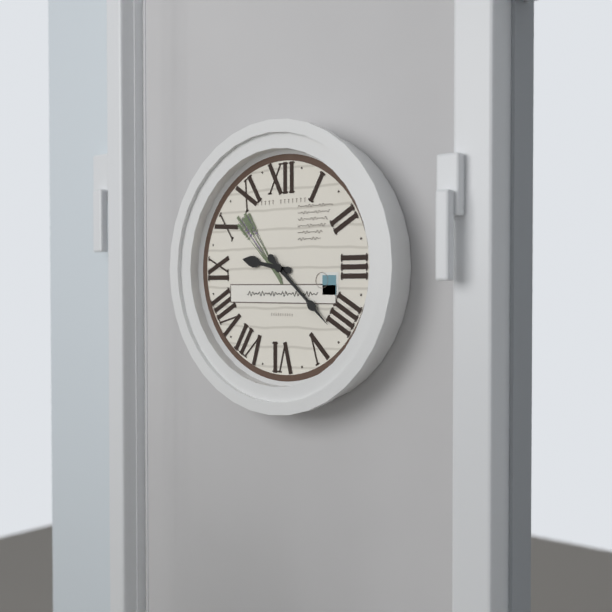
**9:22**
